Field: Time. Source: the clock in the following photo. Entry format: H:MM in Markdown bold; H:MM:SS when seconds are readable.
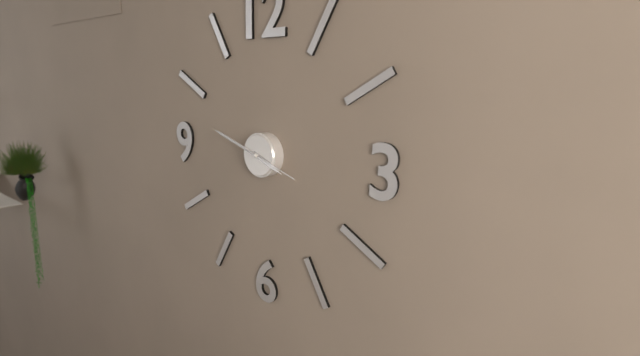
**3:48:18**
